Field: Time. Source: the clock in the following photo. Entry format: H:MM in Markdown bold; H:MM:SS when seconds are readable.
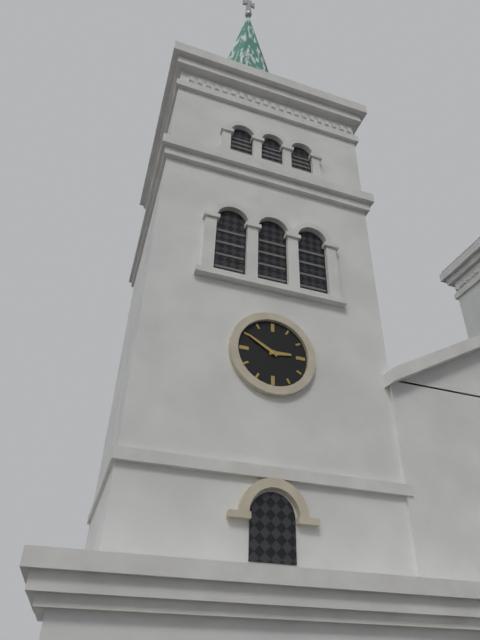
**2:50**
